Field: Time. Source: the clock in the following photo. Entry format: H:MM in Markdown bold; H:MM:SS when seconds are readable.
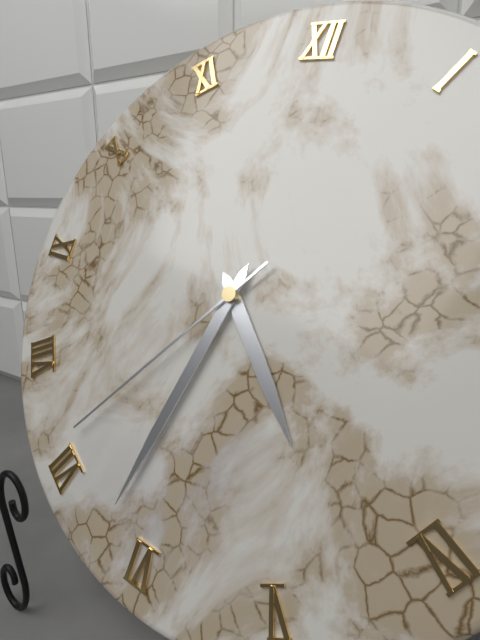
**4:32:36**
